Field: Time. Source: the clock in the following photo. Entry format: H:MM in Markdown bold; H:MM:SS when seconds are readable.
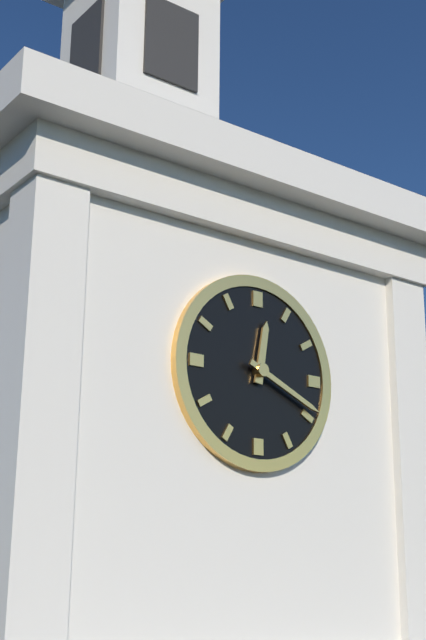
**12:19**
